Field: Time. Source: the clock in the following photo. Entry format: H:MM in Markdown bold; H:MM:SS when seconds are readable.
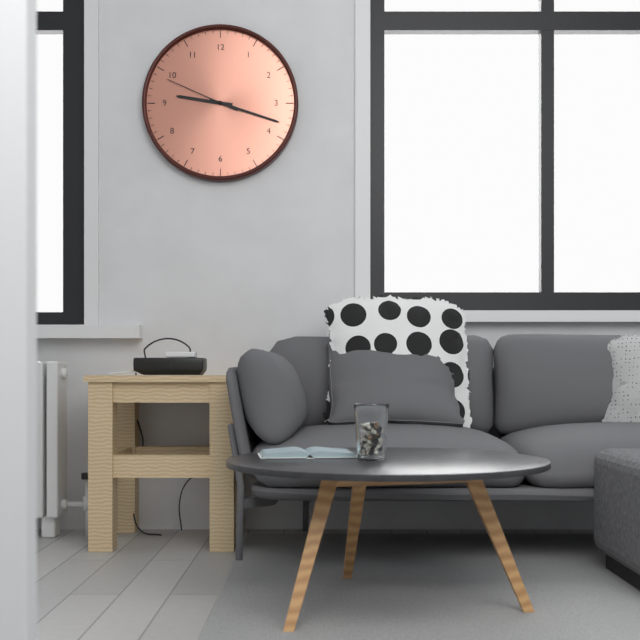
**9:18:49**
